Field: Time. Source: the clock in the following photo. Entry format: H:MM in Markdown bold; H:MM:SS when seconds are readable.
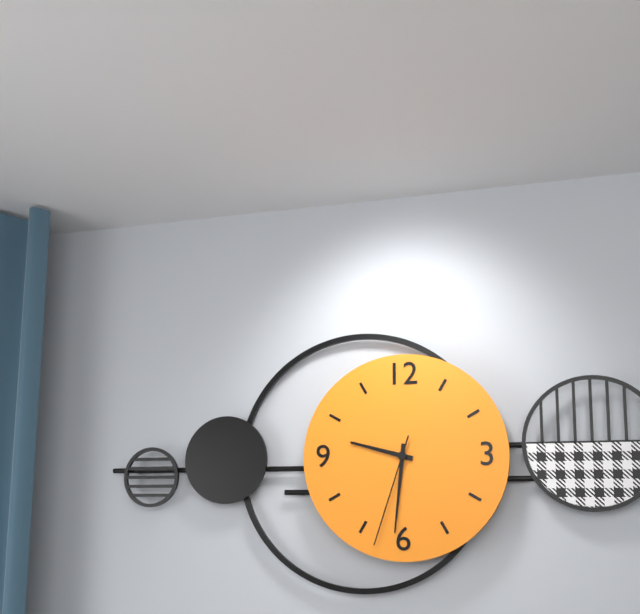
**9:31:33**
